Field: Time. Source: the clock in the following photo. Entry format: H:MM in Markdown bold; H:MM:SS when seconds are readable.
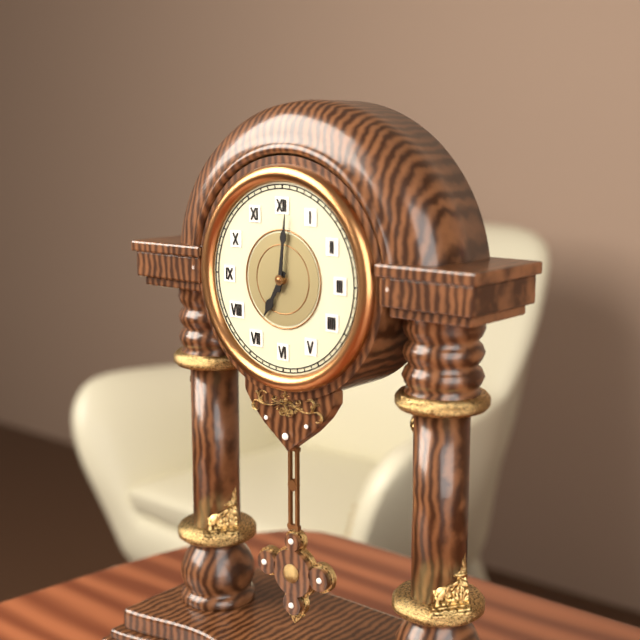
**7:01**
